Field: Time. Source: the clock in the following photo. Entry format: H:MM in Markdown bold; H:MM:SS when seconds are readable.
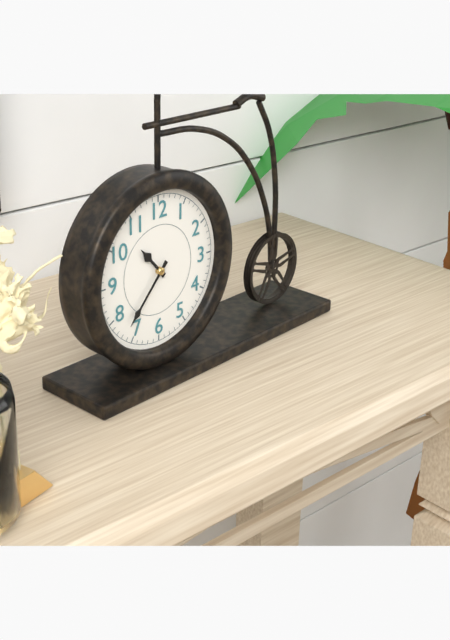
**10:37**
